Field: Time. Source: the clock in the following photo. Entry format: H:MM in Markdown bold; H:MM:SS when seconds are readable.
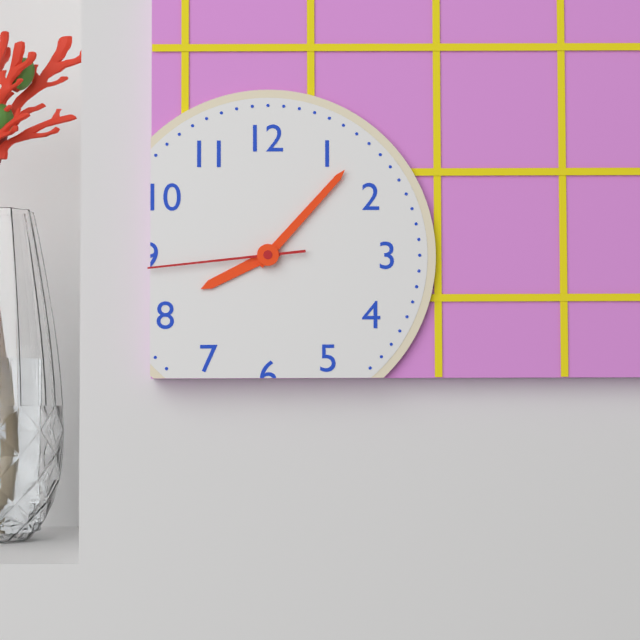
**8:07:44**
